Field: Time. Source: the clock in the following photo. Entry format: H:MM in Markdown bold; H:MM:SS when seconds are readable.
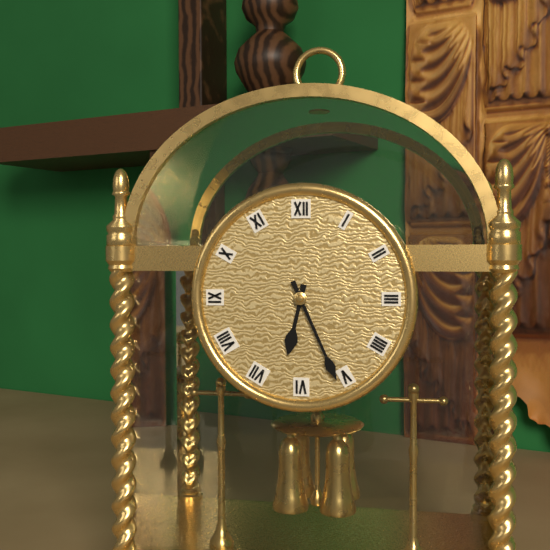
**6:26**
